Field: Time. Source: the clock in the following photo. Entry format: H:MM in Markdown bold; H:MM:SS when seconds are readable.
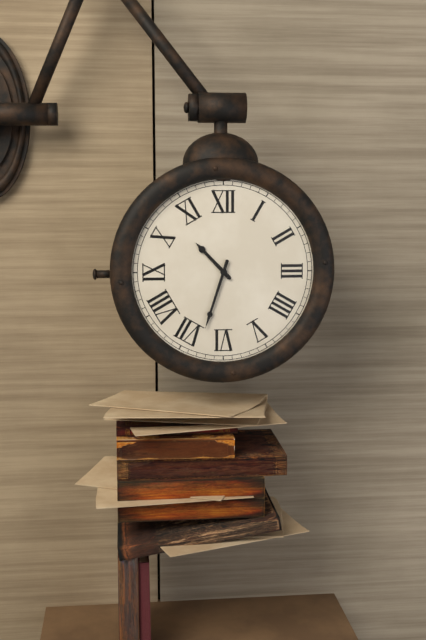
**10:33**
